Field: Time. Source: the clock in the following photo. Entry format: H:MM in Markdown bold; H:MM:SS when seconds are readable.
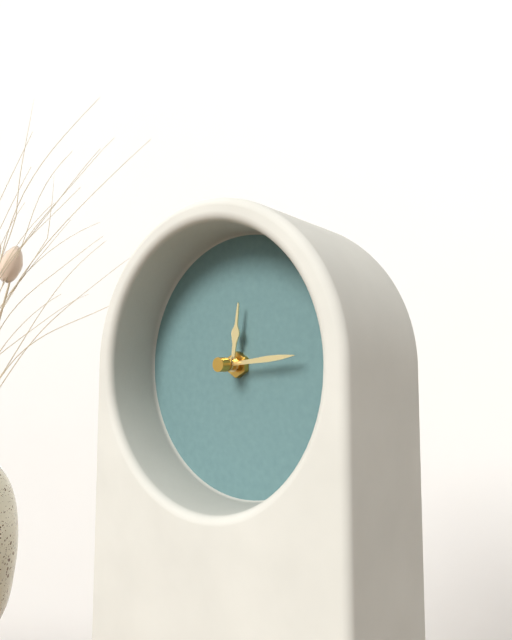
**12:14**
